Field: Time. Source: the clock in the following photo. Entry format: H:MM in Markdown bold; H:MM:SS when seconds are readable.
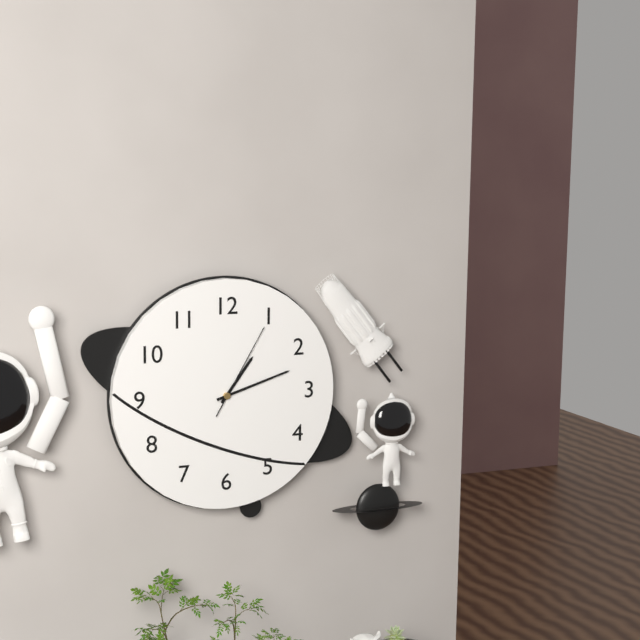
**1:12:05**
